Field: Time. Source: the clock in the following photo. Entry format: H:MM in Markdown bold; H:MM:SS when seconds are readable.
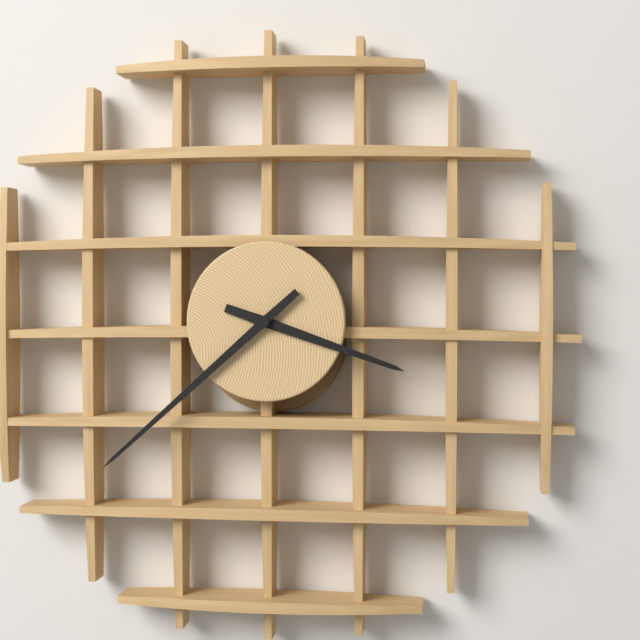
**3:38**
